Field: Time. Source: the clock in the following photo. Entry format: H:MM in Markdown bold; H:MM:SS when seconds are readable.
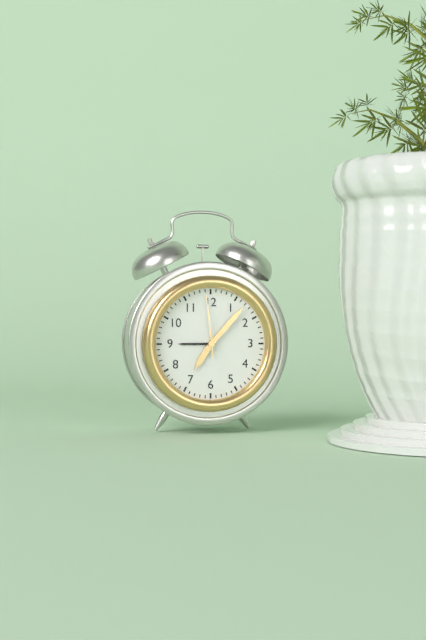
**7:07:59**
